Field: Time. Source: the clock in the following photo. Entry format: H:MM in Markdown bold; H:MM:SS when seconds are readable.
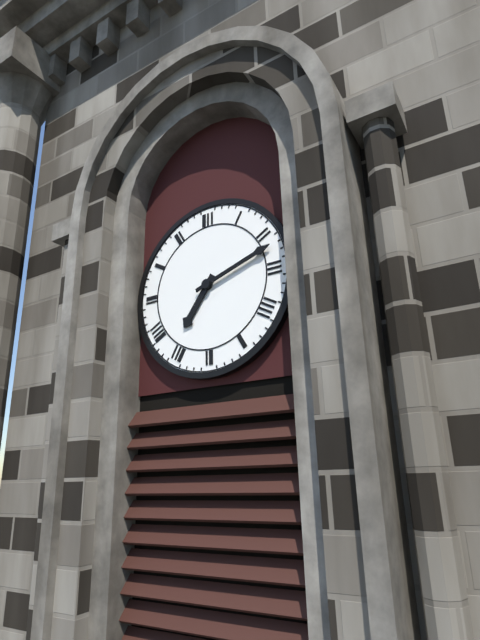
**7:12**
